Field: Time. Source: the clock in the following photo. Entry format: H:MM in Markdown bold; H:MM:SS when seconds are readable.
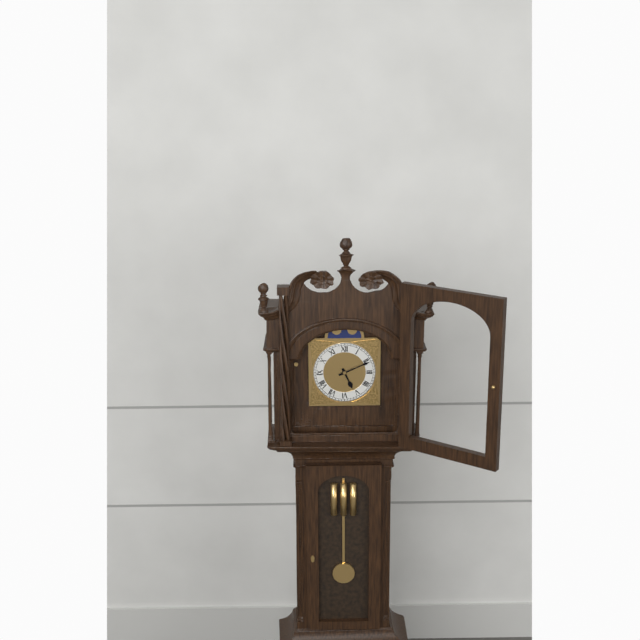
**5:11**
